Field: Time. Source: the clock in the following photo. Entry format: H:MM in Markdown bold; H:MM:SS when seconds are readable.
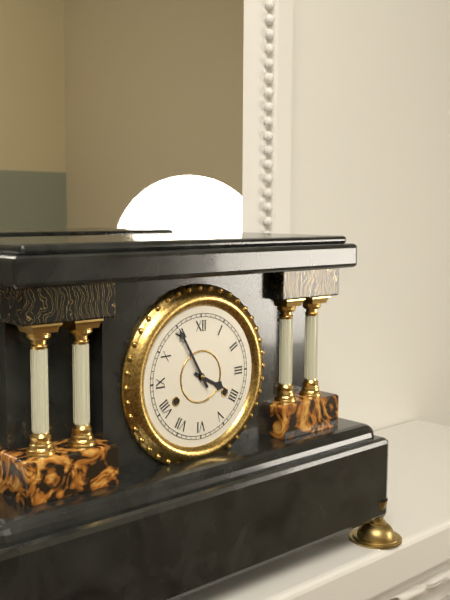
**3:55**
